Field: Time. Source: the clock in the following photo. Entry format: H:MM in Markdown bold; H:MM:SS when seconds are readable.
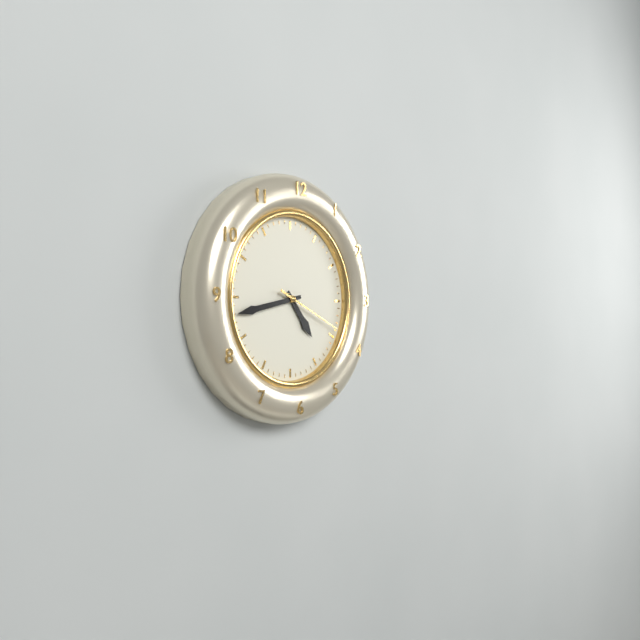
**4:43:19**
